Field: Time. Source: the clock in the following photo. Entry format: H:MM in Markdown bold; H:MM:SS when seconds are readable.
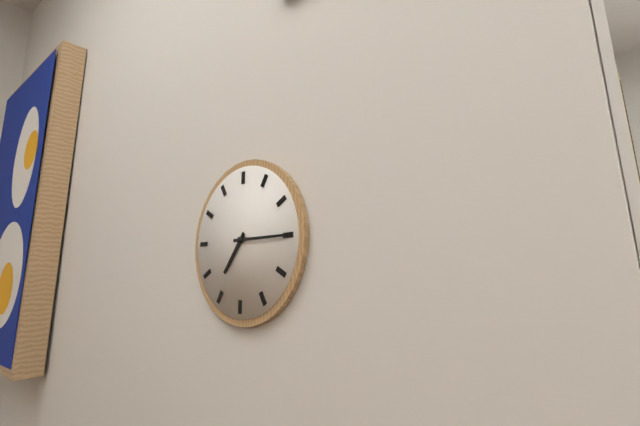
**7:15**
